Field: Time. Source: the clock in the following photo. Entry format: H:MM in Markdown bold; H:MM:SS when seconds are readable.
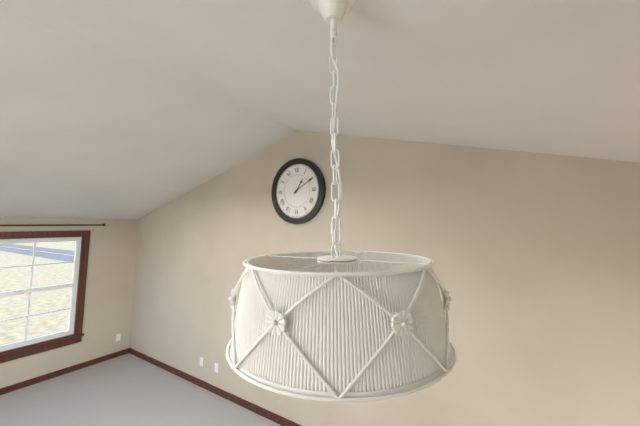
**1:10**
